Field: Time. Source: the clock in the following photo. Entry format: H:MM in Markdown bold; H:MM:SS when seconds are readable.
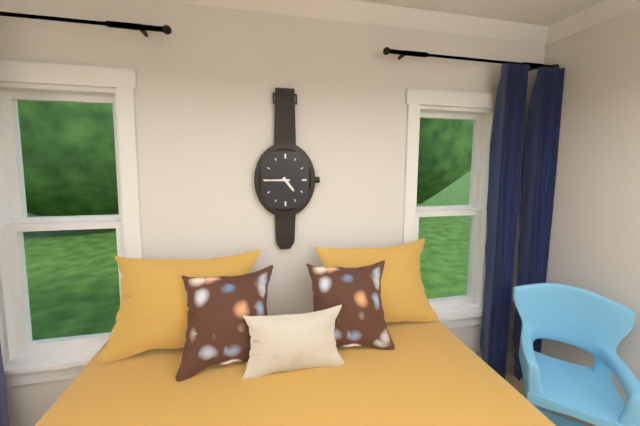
**4:45**
